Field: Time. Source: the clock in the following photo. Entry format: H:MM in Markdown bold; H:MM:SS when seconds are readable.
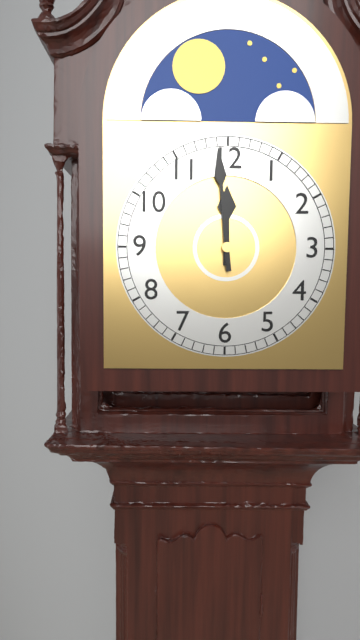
**11:59**
